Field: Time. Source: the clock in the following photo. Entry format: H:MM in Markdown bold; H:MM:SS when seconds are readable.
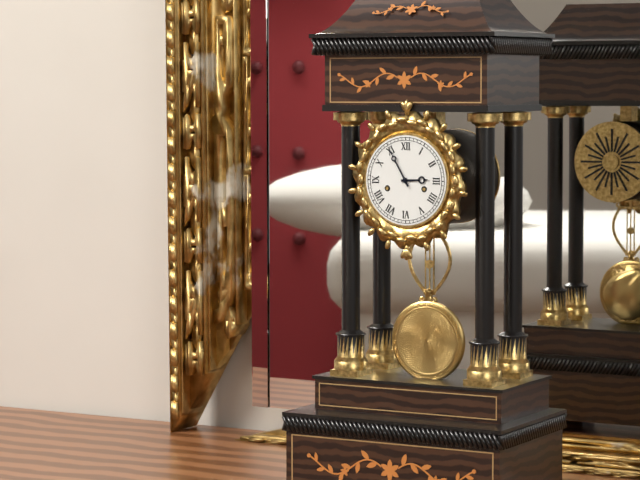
**2:55**
